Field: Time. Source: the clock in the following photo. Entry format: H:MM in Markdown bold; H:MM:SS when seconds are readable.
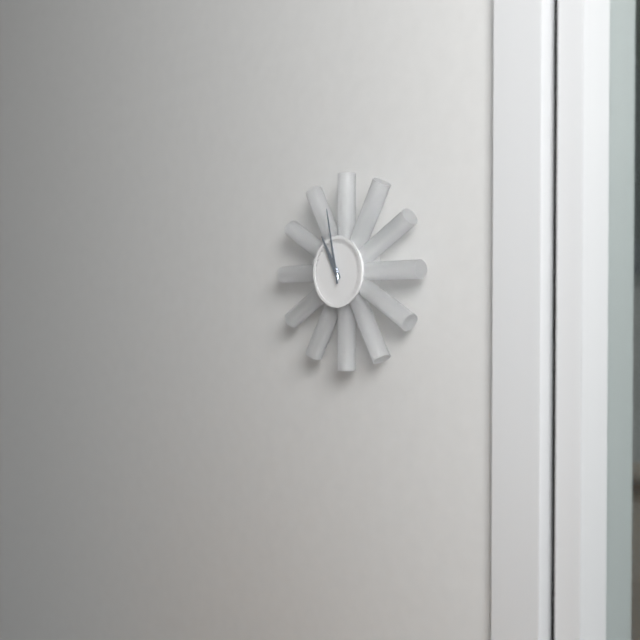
**10:58**
